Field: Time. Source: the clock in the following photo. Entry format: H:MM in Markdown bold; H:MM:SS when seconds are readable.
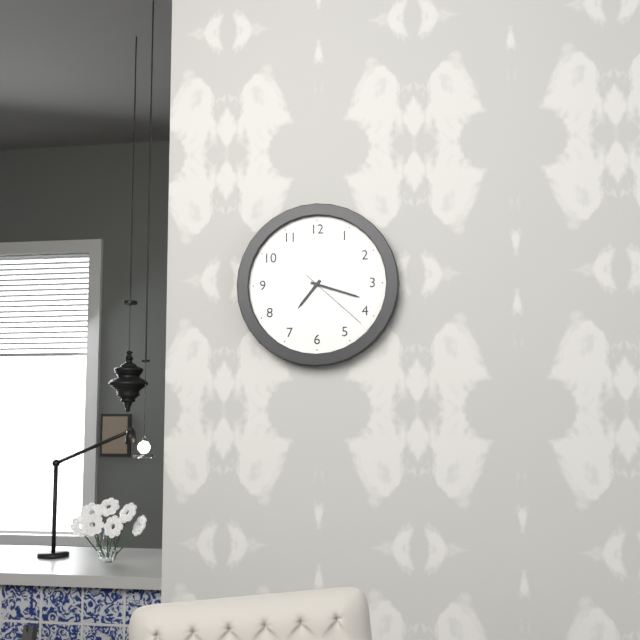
**7:18:22**
